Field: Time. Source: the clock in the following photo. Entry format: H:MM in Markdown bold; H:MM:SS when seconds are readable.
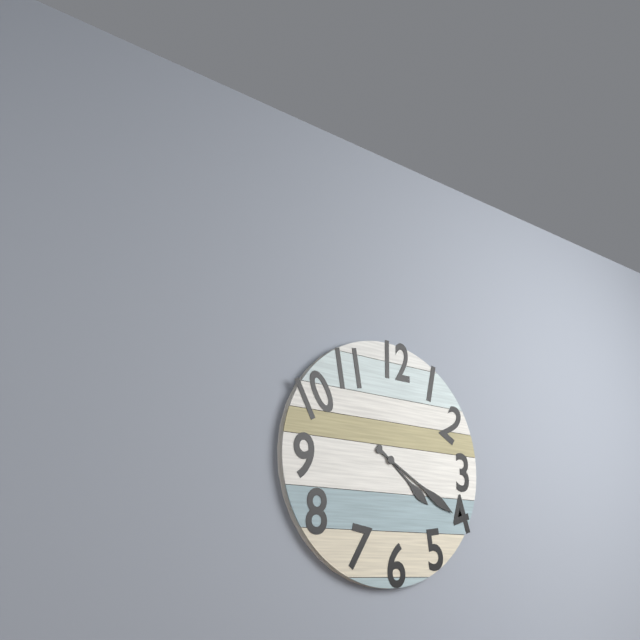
**4:20**
